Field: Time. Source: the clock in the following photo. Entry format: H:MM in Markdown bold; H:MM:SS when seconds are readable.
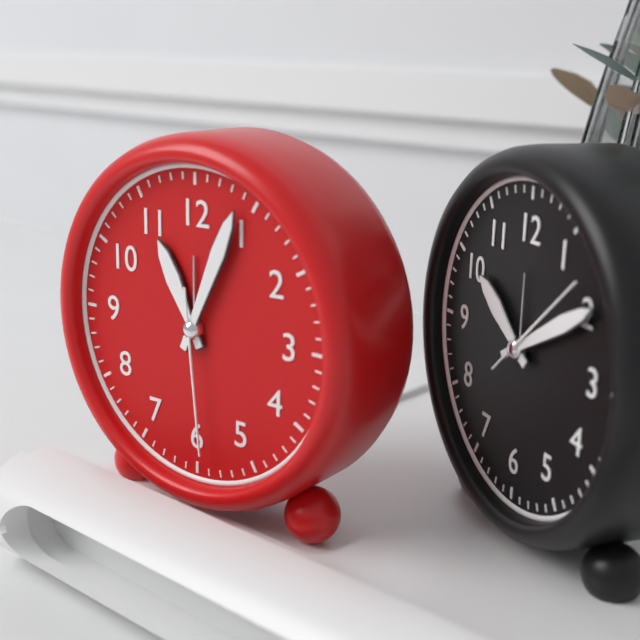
**11:04:29**
